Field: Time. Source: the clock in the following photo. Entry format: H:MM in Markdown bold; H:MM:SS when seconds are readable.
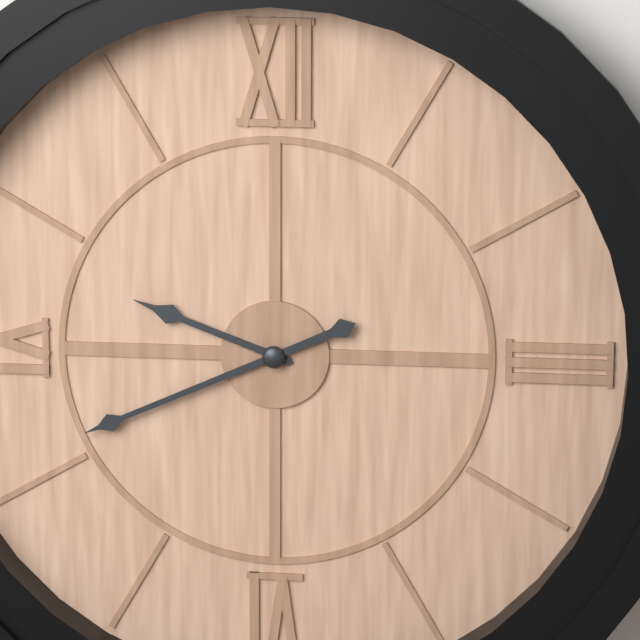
**9:41**
